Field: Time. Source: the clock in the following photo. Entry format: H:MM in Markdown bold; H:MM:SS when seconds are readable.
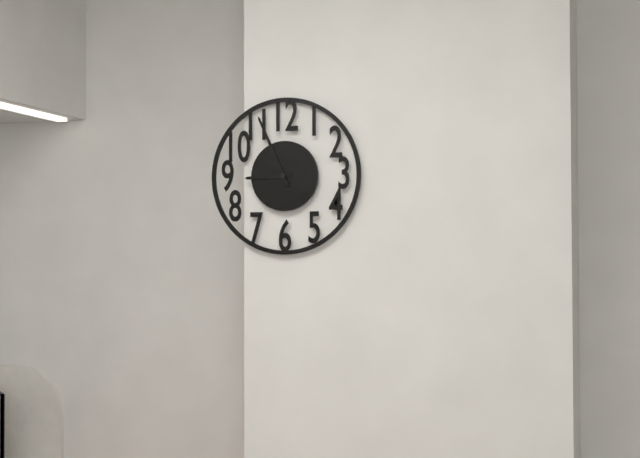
**8:56**
